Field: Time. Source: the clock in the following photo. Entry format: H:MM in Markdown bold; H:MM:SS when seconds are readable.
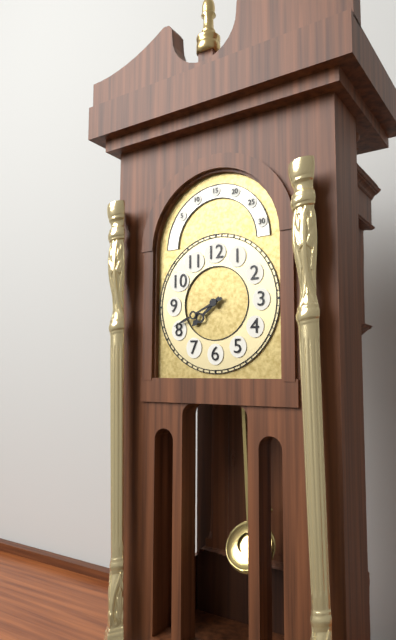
**7:41**
